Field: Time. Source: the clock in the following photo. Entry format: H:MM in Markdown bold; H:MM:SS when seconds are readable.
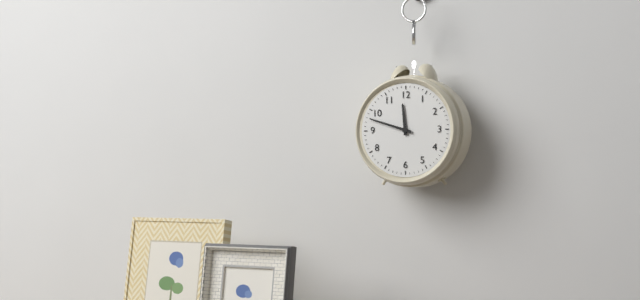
**11:48**
